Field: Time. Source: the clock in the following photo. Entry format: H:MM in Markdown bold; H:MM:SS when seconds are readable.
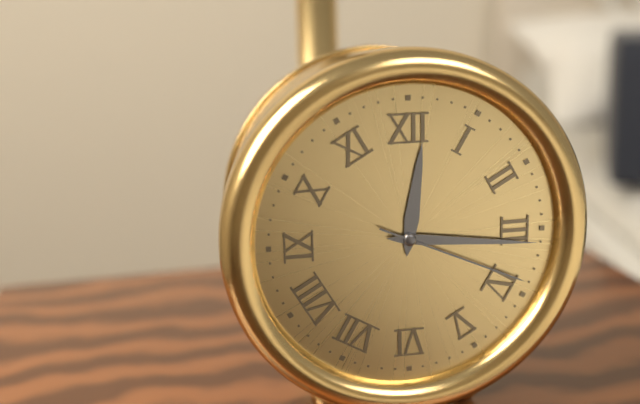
**12:16:19**
